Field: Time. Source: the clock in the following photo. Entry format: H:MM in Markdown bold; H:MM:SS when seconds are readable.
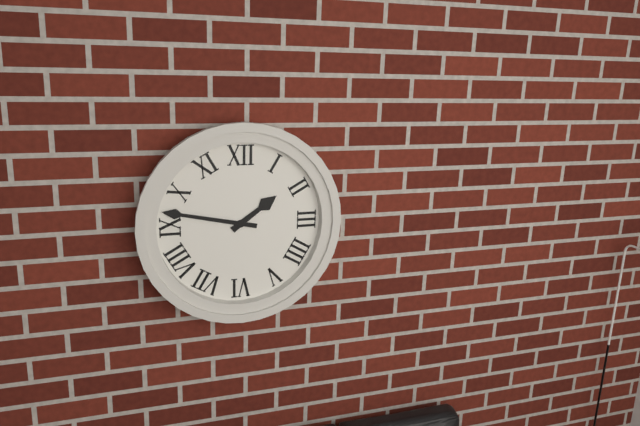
**1:47**
